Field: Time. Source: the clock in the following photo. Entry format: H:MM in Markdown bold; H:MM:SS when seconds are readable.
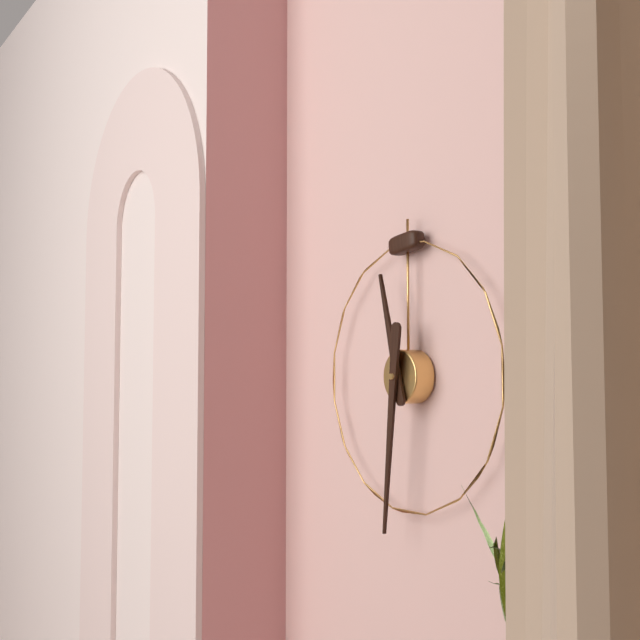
**11:31**
